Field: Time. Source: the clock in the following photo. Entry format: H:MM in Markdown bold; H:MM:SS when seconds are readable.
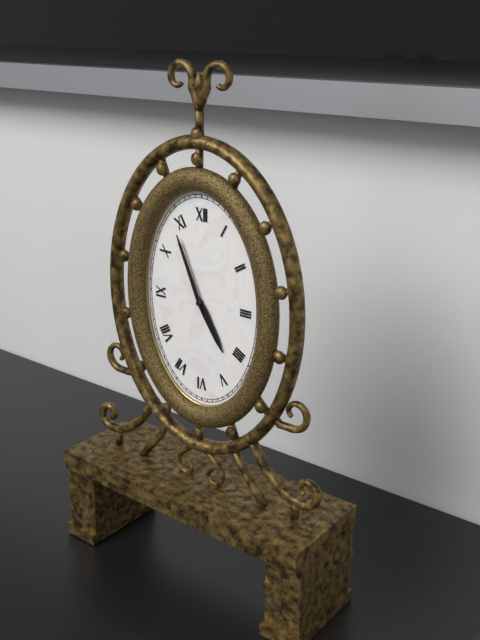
**4:56**
